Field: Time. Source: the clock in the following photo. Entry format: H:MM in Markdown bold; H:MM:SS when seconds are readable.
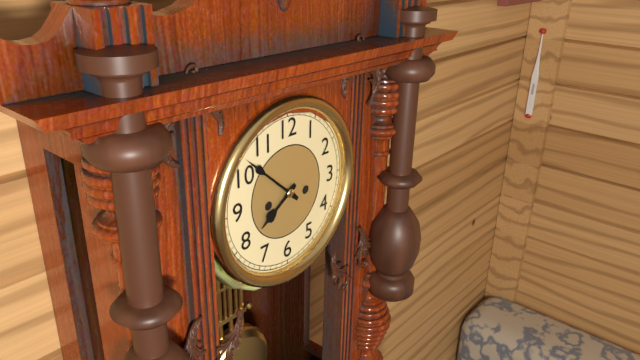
**7:52**
